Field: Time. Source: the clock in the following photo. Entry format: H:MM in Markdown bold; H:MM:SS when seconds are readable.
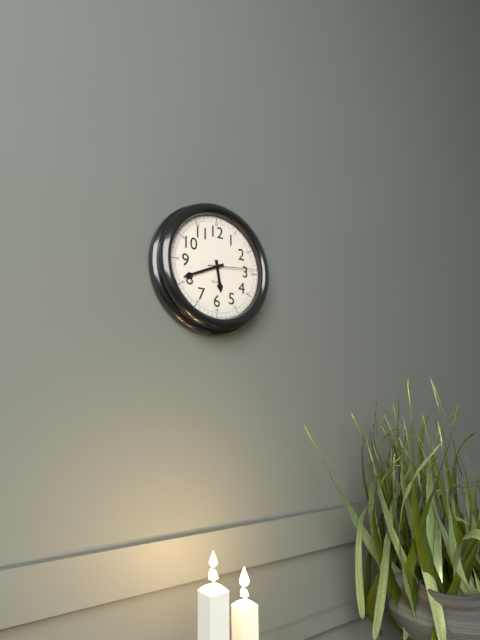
**5:41**
